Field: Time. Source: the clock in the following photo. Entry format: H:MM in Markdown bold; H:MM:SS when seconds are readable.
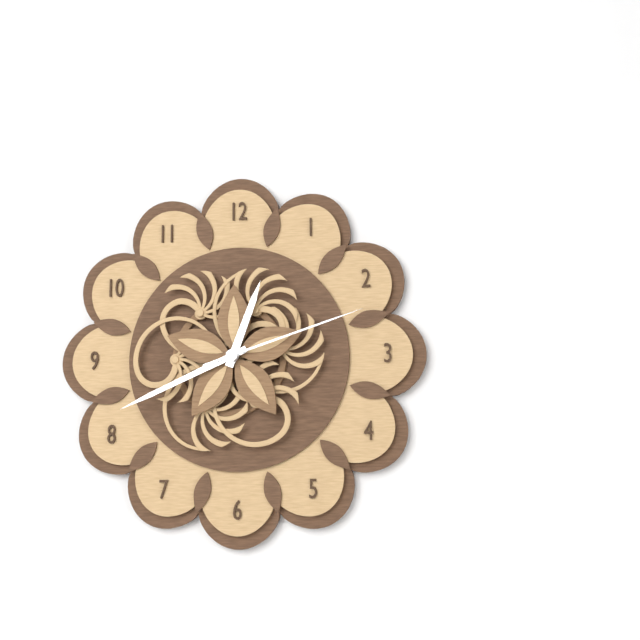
**12:41:12**
